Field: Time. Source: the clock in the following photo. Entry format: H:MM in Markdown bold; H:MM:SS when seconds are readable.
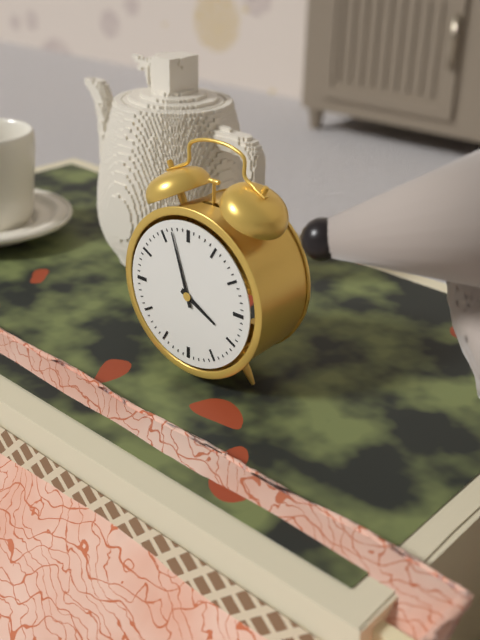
**3:57**
